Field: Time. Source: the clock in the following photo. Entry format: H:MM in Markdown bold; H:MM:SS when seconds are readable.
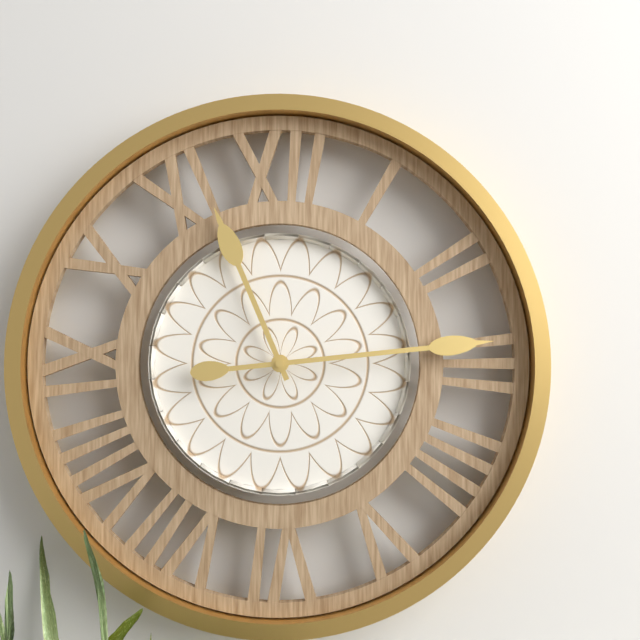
**11:14**
